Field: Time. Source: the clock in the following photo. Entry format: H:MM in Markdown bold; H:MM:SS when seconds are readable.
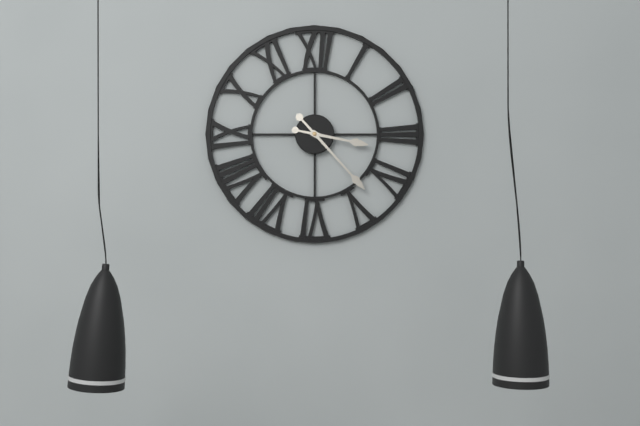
**3:23**
